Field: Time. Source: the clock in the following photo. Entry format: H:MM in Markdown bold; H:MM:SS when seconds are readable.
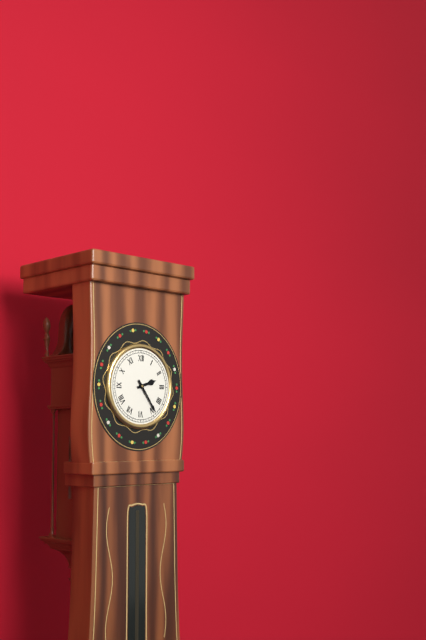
**2:24**
